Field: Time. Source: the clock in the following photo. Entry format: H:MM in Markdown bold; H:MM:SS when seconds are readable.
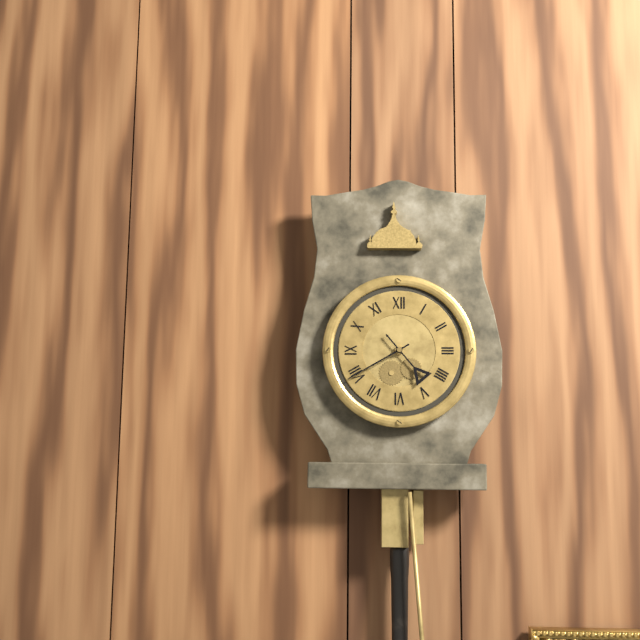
**4:40**
